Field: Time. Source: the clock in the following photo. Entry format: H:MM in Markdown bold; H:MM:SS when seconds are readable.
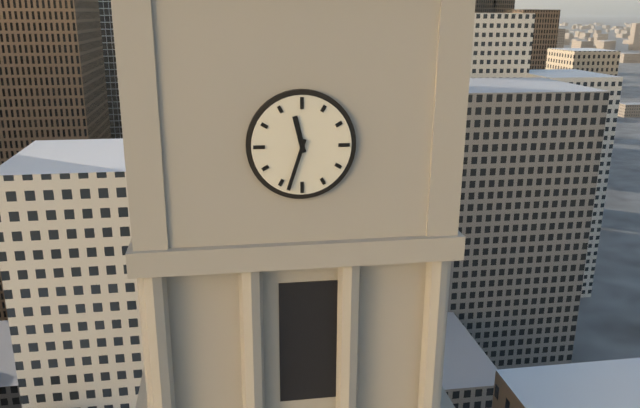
**11:33**
